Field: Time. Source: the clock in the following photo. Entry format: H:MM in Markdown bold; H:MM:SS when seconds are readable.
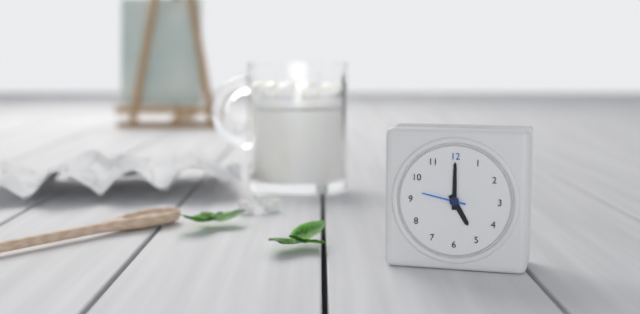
**5:00**
